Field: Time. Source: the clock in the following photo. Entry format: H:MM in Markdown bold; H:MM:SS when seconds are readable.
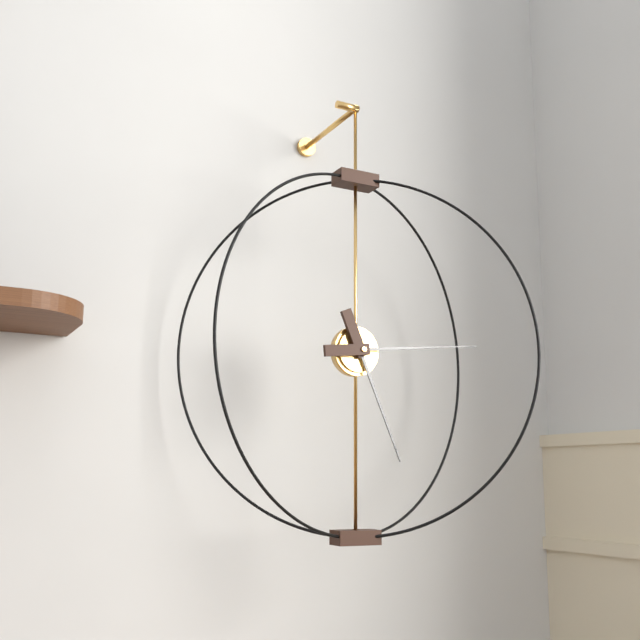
**5:14**
